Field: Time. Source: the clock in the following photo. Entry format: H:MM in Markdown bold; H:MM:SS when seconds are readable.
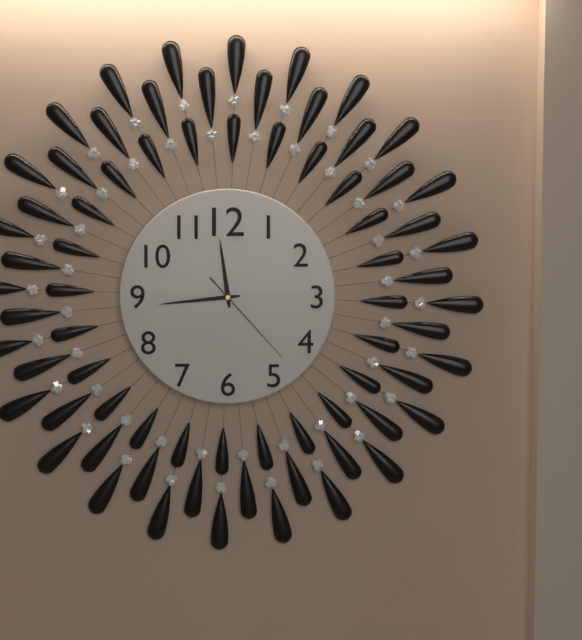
**11:44:23**
